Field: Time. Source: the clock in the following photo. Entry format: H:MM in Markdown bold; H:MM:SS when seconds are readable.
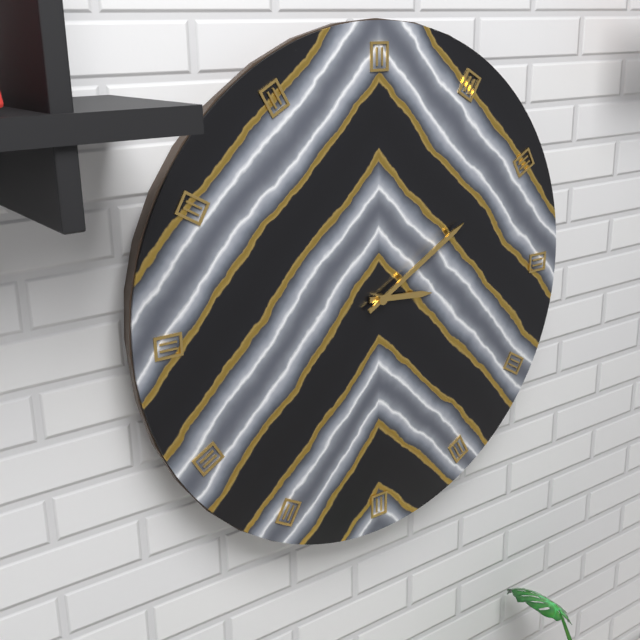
**3:10**
